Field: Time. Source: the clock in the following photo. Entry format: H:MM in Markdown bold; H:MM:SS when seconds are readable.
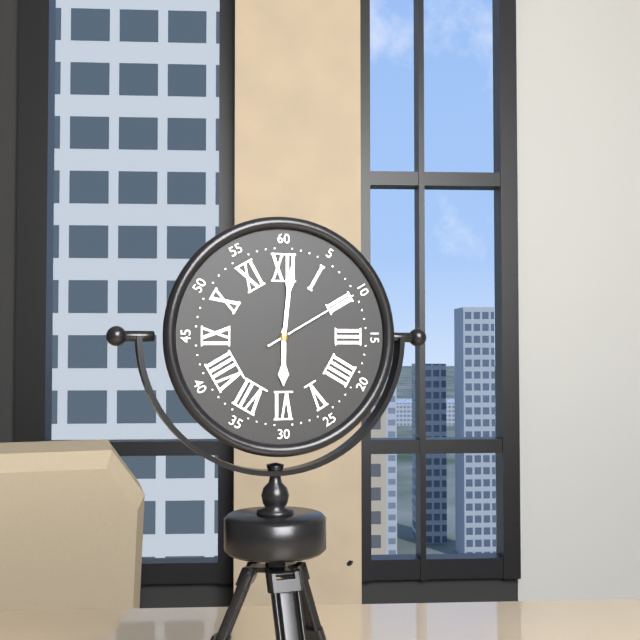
**6:01:10**
